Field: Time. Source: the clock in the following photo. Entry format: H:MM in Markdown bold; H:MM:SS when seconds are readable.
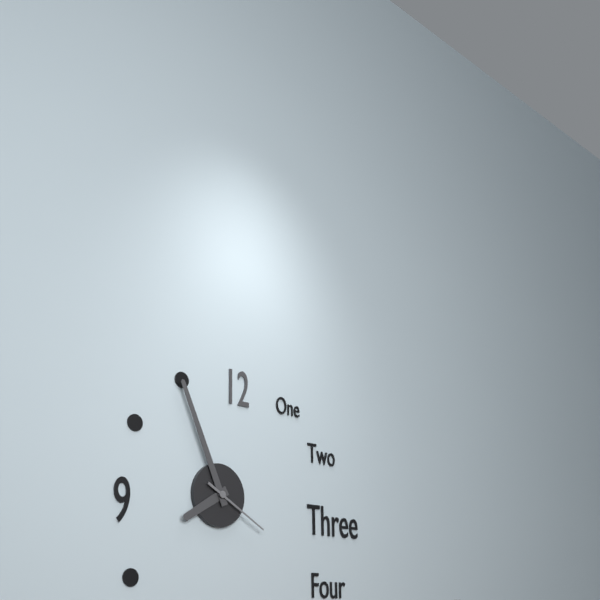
**7:56:20**
